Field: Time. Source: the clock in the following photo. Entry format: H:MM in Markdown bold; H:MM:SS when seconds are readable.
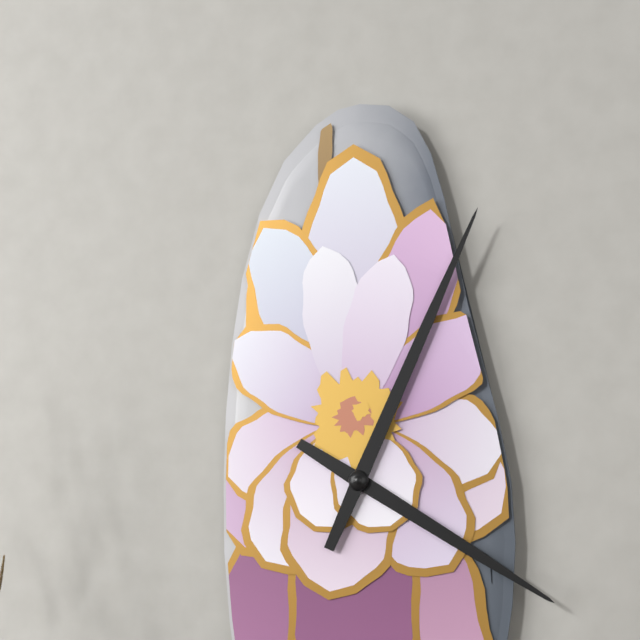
**4:04**
